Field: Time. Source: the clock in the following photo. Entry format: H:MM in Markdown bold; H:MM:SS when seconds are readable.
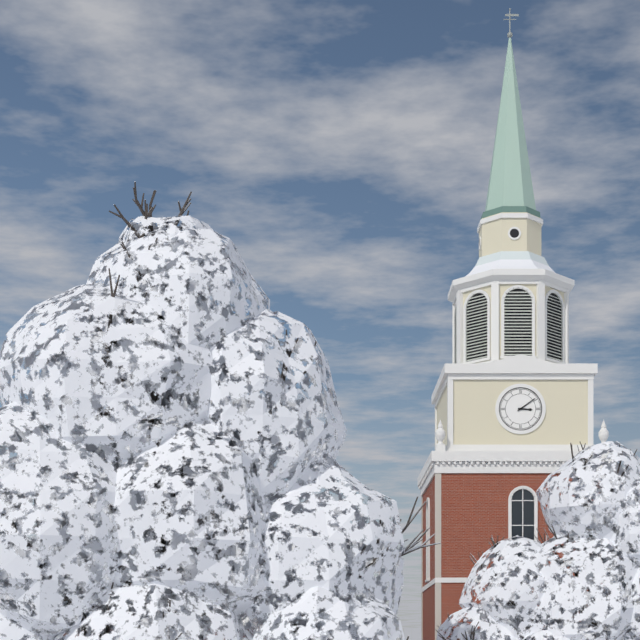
**3:09**
